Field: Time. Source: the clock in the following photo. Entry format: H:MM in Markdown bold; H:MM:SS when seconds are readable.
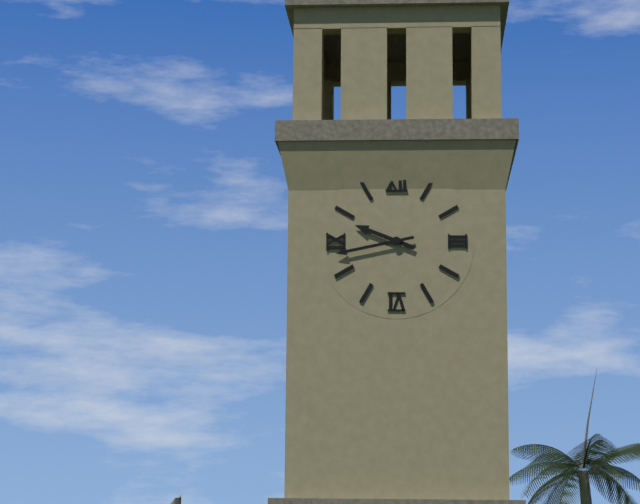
**9:43**
